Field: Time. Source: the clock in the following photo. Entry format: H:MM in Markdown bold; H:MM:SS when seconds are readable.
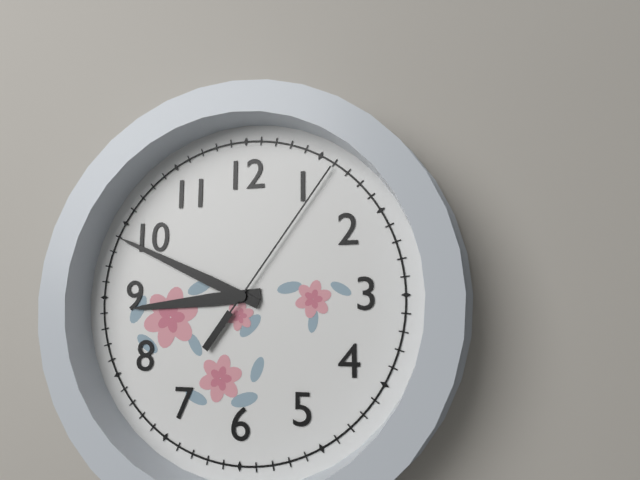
**8:49:06**
